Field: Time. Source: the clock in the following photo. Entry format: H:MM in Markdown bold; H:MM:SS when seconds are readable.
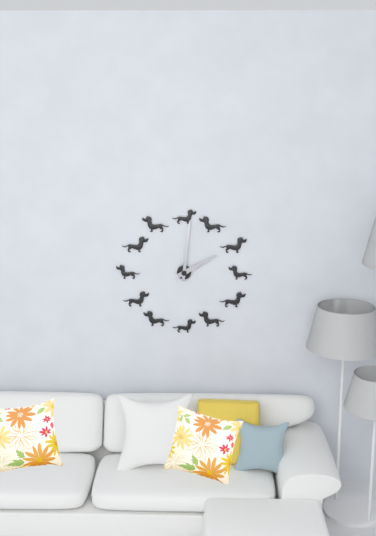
**2:01**
